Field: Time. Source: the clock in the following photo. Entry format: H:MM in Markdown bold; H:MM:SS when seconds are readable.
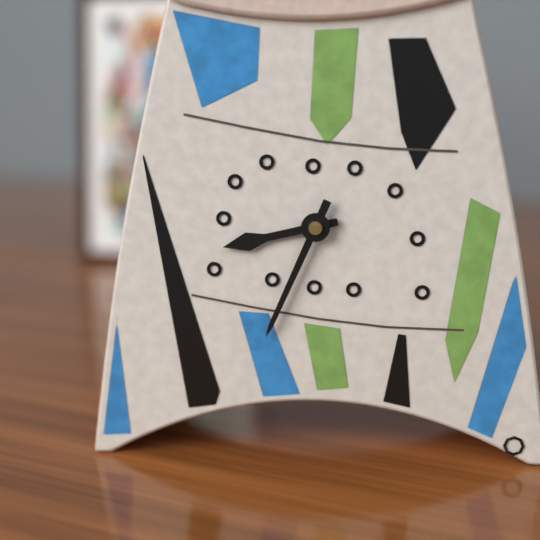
**8:34**
